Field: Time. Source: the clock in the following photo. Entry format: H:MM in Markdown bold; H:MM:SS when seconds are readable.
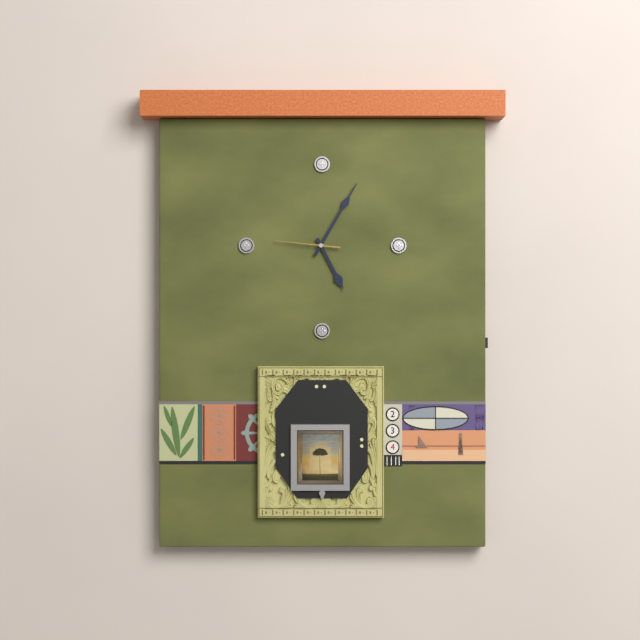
**5:05:46**
